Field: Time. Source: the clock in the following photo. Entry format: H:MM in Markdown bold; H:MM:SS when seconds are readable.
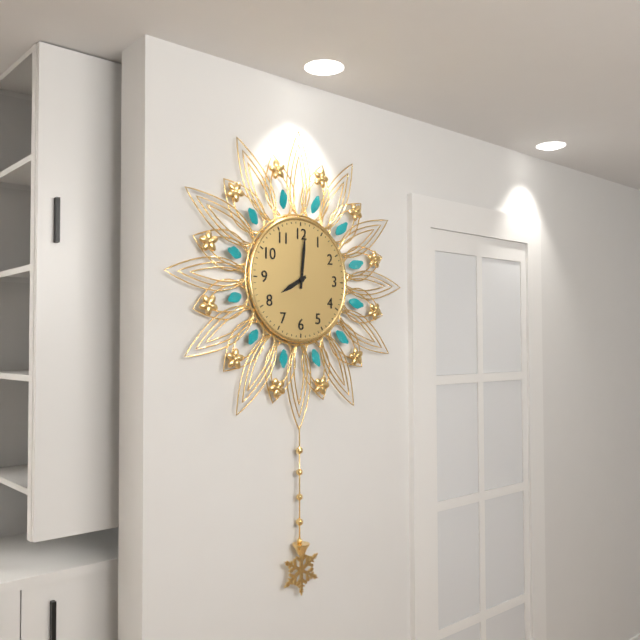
**8:01**
